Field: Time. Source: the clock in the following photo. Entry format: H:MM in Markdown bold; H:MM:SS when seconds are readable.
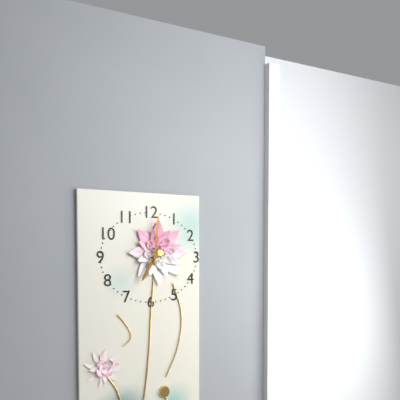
**7:01**
